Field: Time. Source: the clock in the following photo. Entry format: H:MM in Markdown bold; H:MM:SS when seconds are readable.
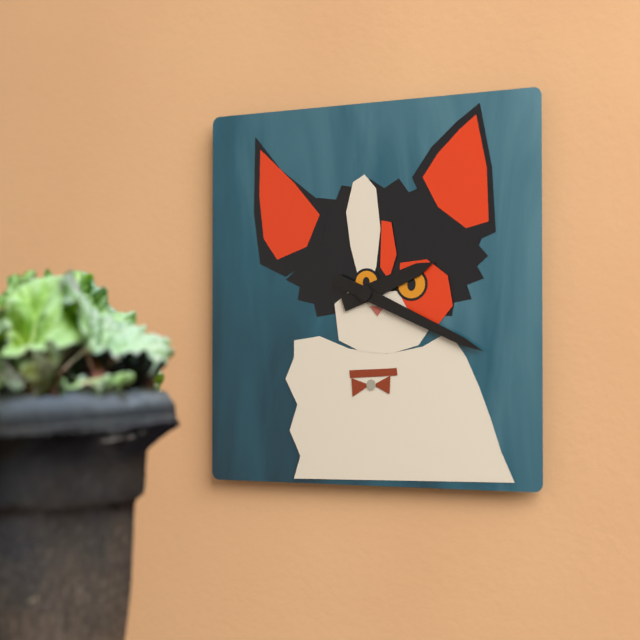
**2:19**
